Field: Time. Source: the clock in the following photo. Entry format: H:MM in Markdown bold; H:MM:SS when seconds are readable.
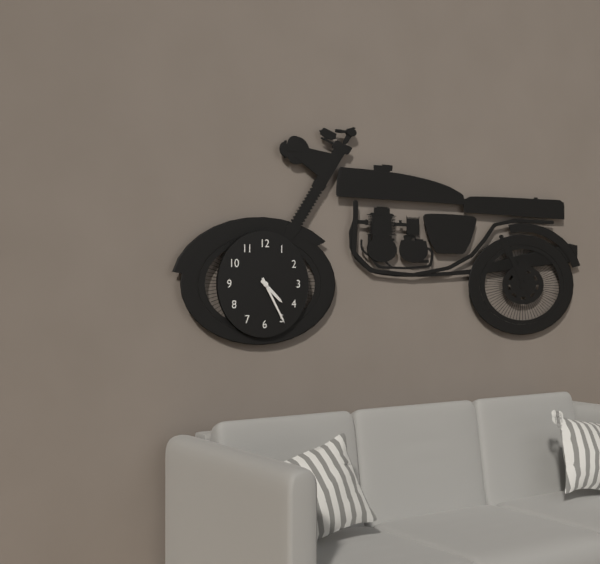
**4:25**
